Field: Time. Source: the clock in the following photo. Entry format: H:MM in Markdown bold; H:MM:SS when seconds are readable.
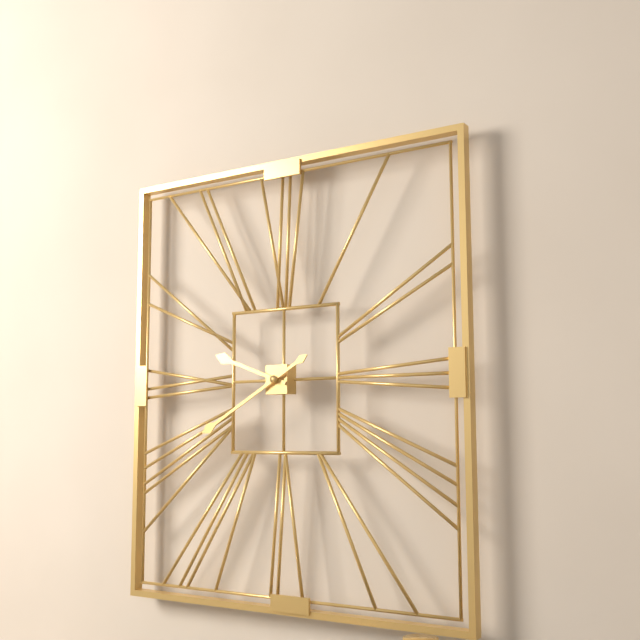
**9:40**
